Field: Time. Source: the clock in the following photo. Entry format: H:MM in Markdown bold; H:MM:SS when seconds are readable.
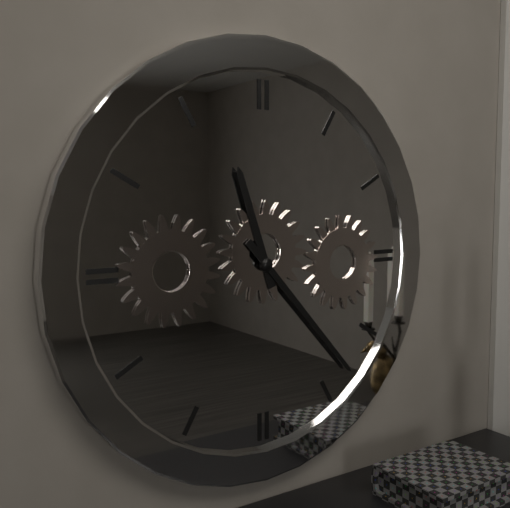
**11:23**
